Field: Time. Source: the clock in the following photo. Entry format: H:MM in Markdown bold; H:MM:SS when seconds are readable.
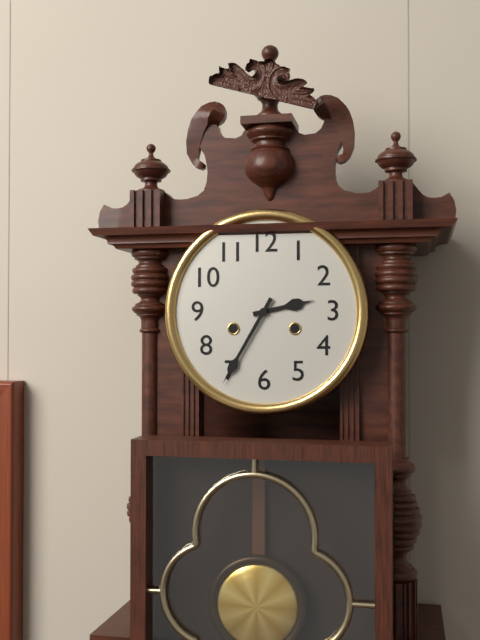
**2:35**
